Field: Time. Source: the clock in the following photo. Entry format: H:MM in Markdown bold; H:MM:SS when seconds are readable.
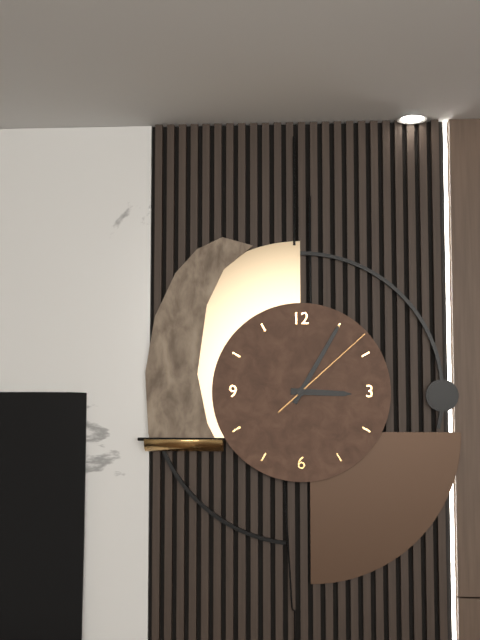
**3:05:08**
